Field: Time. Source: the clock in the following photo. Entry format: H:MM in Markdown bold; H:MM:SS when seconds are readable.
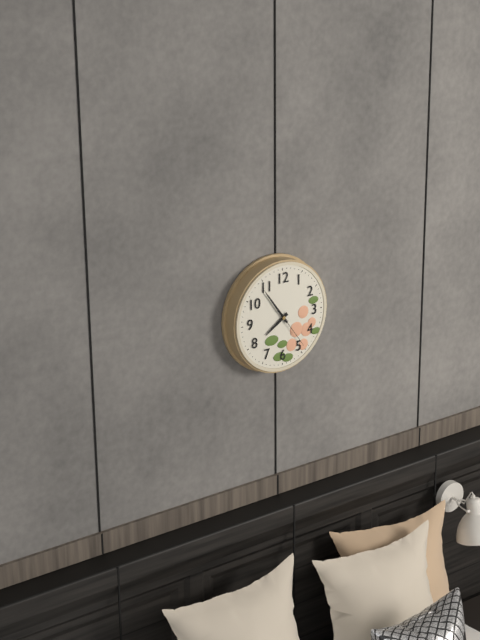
**7:54**
